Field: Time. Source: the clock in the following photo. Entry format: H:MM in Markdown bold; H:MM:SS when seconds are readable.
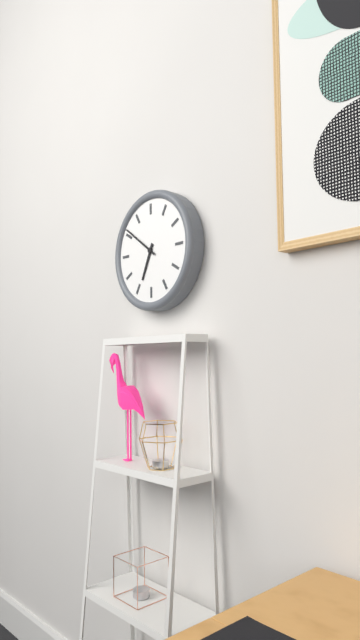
**6:51**
